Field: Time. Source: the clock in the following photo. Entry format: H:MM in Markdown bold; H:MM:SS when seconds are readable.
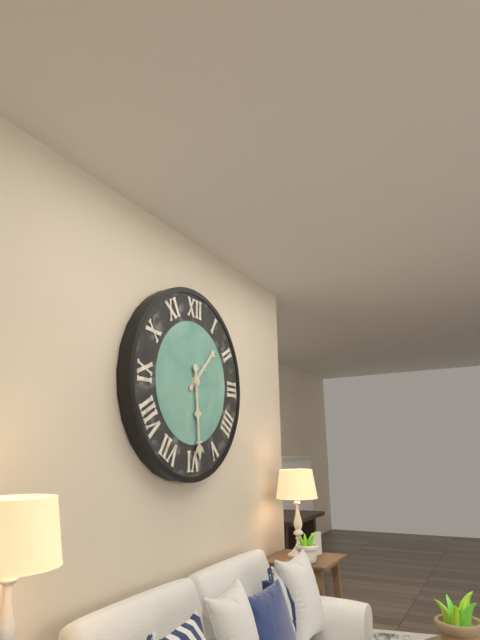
**1:29**
